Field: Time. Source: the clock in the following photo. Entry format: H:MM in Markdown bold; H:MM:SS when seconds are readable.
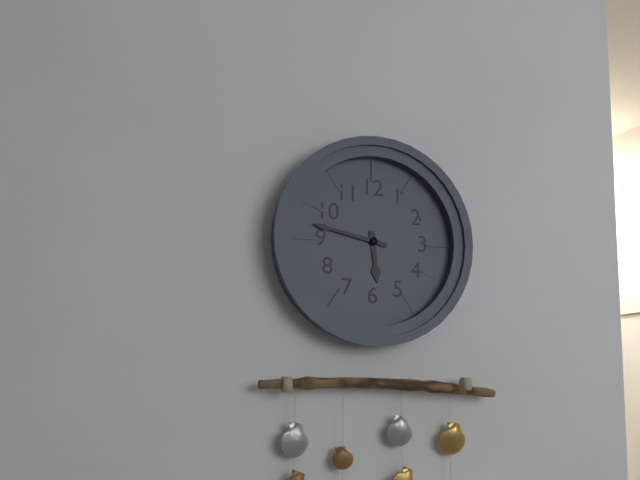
**5:47**
